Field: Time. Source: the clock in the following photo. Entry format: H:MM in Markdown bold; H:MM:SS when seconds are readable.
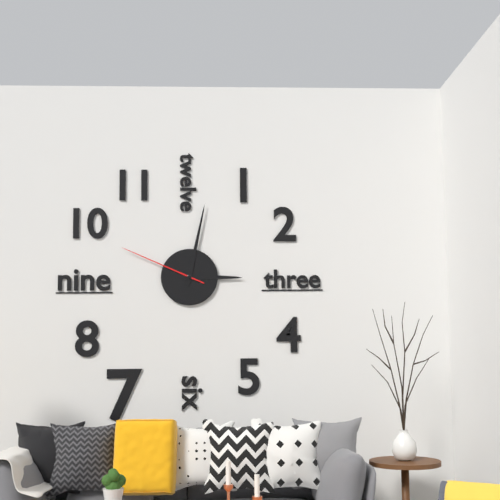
**3:02:49**
